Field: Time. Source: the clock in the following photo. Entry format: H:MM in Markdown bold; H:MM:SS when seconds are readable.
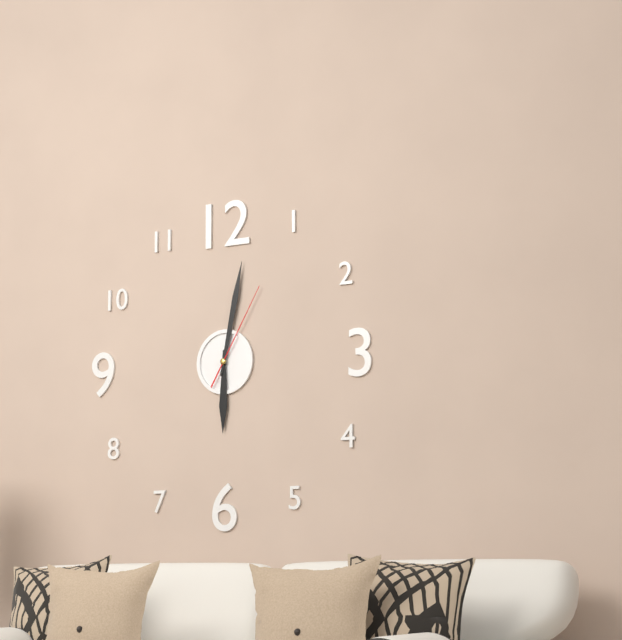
**6:02:05**
